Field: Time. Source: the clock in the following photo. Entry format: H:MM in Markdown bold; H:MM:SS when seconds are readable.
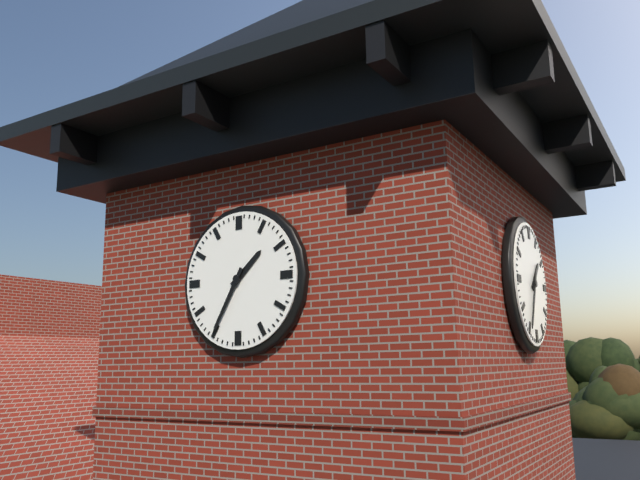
**1:35**
